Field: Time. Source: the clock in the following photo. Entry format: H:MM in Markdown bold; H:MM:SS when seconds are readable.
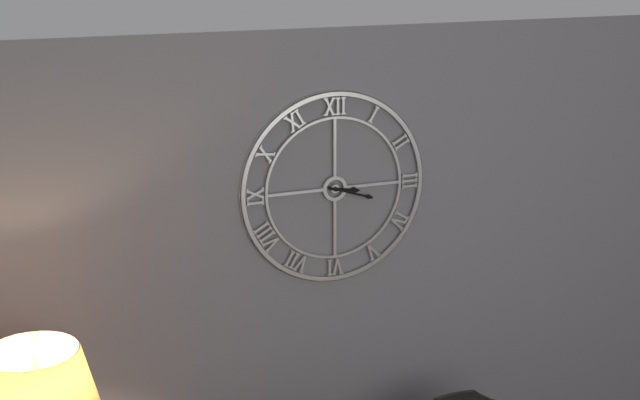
**3:18**
